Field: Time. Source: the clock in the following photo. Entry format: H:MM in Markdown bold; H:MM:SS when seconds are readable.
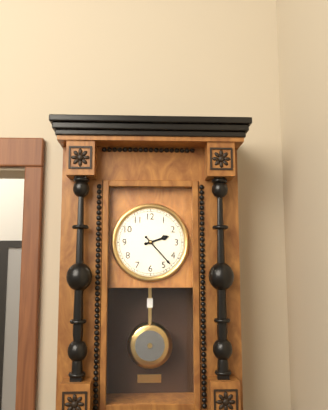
**2:23**
